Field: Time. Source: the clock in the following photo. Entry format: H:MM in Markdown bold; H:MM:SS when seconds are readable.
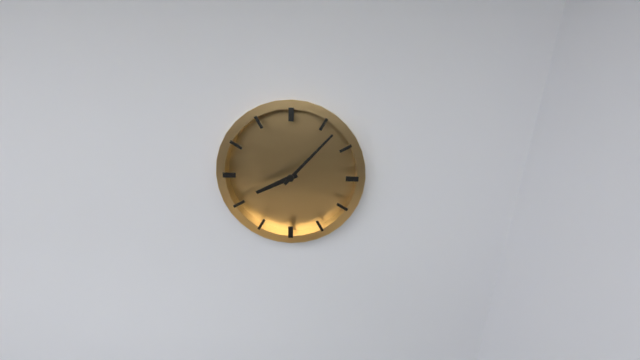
**8:07**
